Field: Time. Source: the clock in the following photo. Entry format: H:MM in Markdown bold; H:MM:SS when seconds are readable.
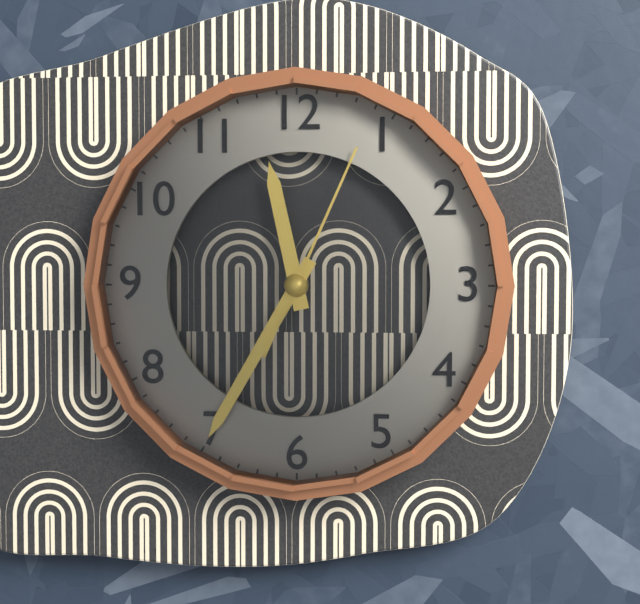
**11:35:04**
